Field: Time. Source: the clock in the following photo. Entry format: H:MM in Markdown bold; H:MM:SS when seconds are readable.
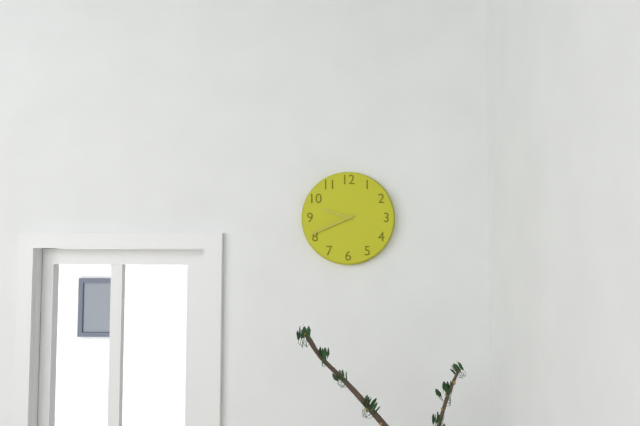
**9:41**
